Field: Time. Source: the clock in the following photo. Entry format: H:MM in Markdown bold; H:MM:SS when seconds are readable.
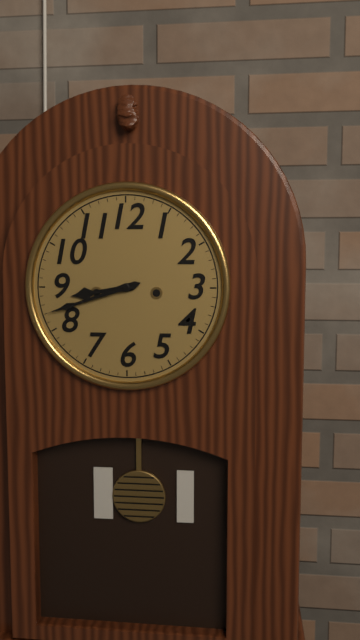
**8:42**
